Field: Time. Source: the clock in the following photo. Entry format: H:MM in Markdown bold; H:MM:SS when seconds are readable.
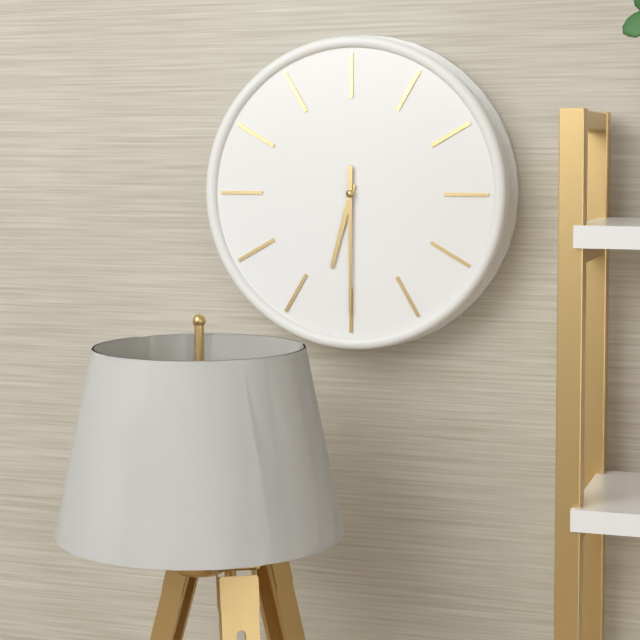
**6:30**
